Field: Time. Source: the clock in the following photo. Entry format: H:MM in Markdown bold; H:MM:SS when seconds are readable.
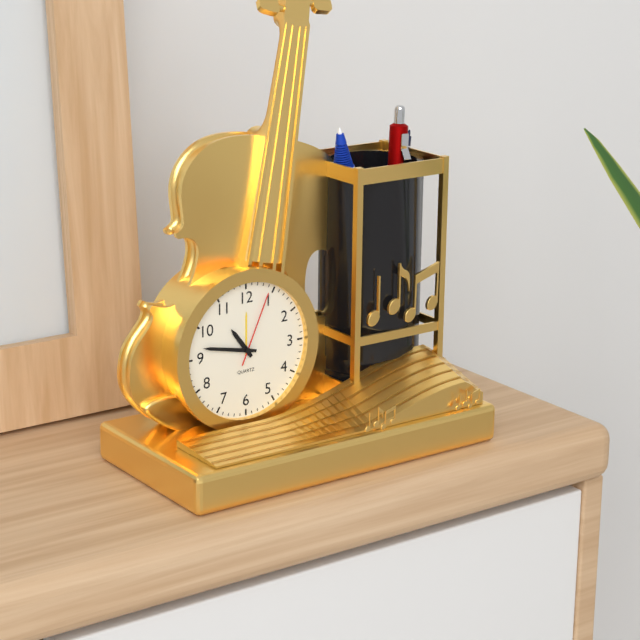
**10:47:04**
